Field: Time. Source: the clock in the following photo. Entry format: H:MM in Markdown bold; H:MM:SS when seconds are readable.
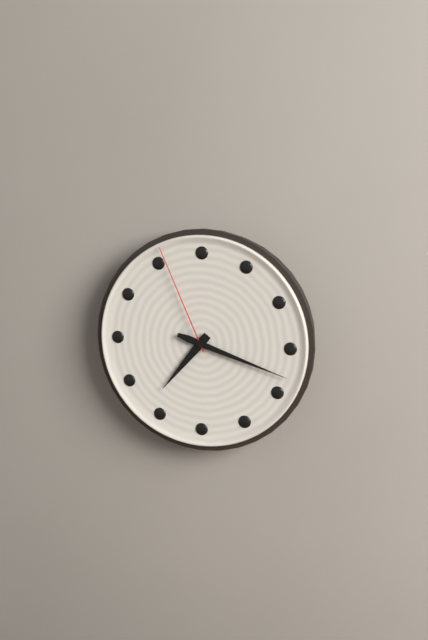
**7:18:56**
